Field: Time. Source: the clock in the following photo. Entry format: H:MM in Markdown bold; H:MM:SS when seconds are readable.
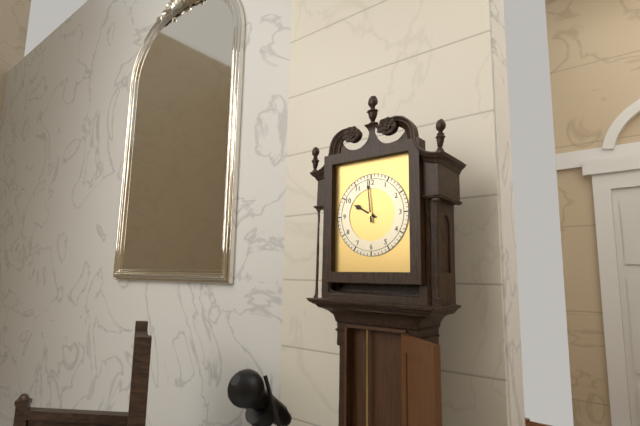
**9:59**
